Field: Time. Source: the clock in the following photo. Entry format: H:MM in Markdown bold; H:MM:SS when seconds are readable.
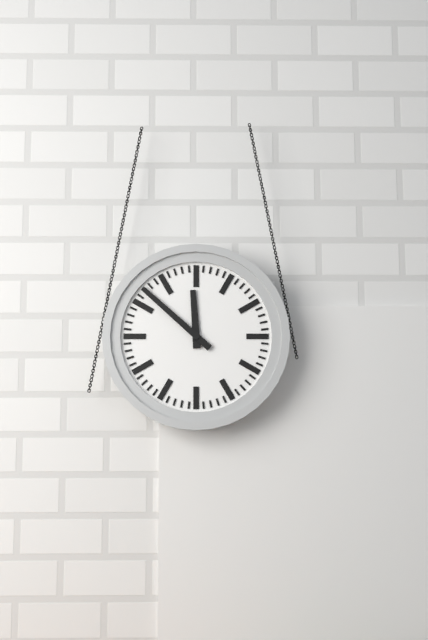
**11:52**
